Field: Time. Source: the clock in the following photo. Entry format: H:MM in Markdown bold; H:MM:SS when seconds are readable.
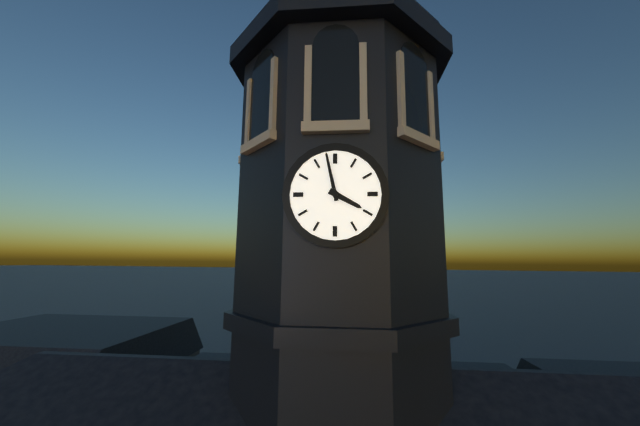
**3:58**
